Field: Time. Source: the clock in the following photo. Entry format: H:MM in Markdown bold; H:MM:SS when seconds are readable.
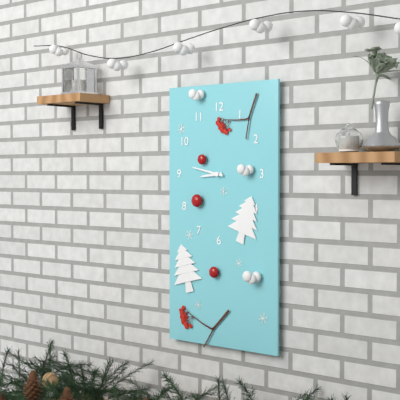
**8:47**
